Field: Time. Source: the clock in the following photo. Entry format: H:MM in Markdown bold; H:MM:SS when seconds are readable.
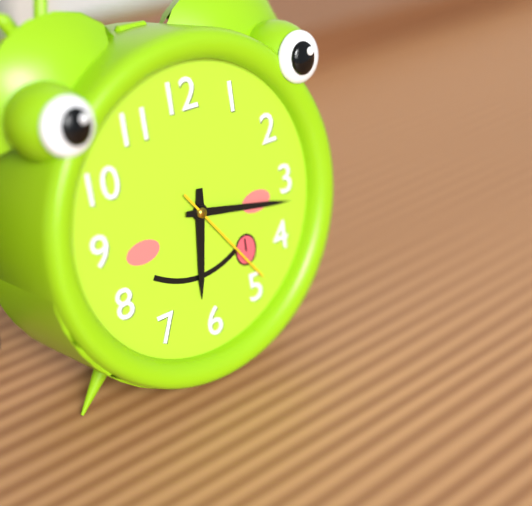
**6:17:24**
